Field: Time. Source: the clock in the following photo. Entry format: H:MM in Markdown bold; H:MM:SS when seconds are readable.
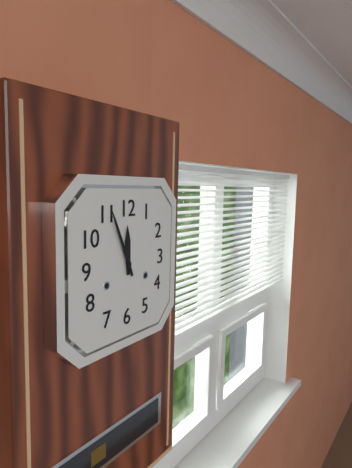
**11:56**
